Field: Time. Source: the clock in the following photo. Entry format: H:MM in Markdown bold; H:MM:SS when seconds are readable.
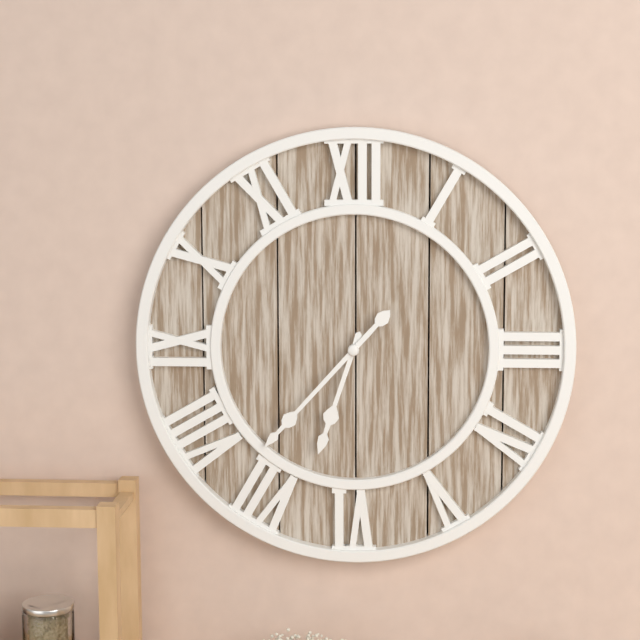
**6:37**
